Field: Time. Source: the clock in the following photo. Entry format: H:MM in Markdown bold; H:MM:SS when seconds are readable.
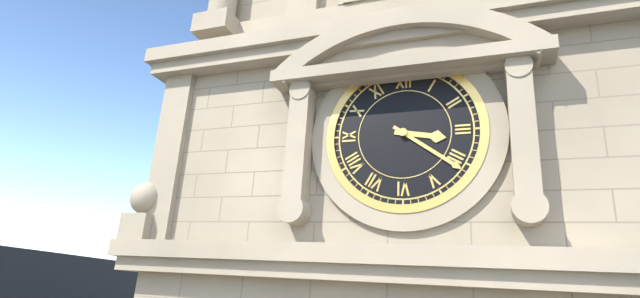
**3:21**
